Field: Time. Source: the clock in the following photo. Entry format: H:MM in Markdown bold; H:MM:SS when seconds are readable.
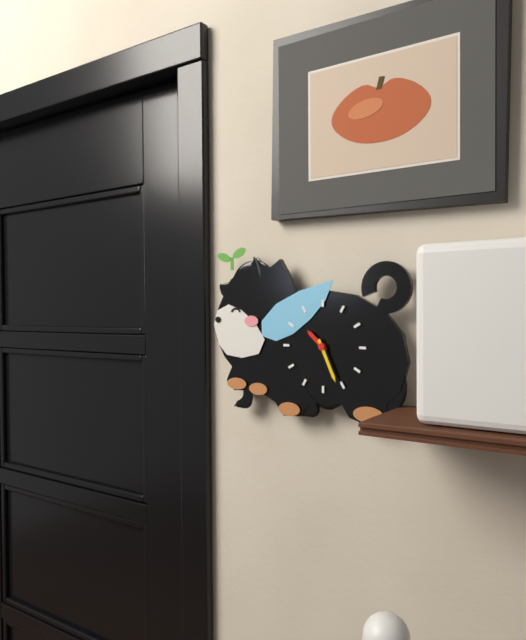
**10:26**
